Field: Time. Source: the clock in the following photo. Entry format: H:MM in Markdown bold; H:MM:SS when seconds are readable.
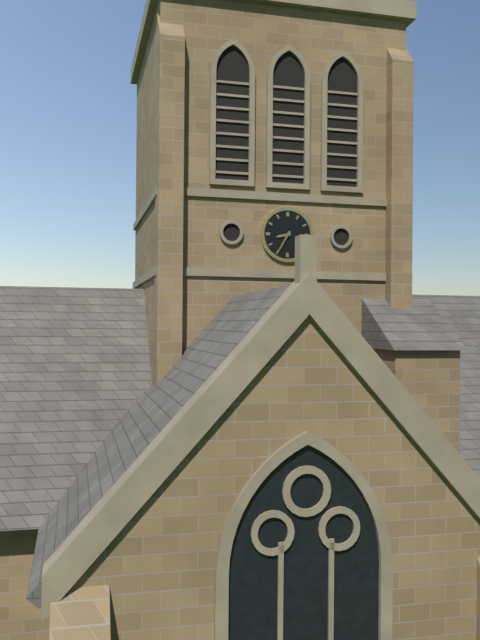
**8:35**
